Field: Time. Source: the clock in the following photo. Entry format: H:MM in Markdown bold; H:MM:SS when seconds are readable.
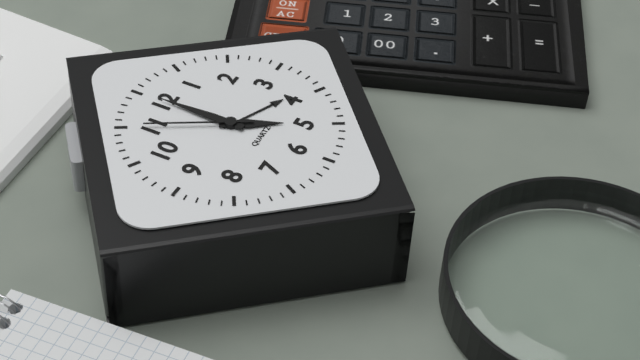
**5:00:55**
